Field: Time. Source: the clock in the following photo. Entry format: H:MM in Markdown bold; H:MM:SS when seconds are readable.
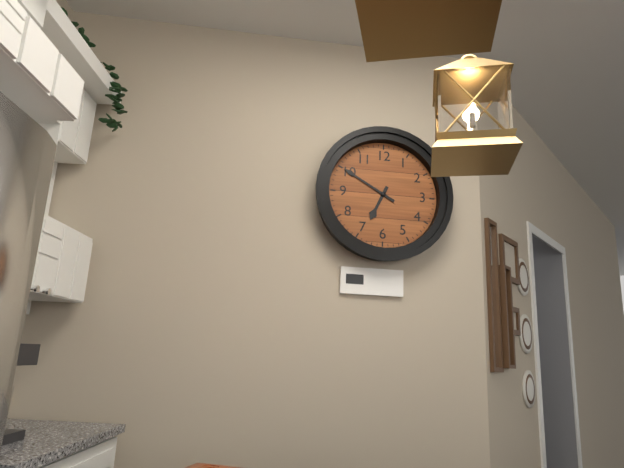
**6:50**
